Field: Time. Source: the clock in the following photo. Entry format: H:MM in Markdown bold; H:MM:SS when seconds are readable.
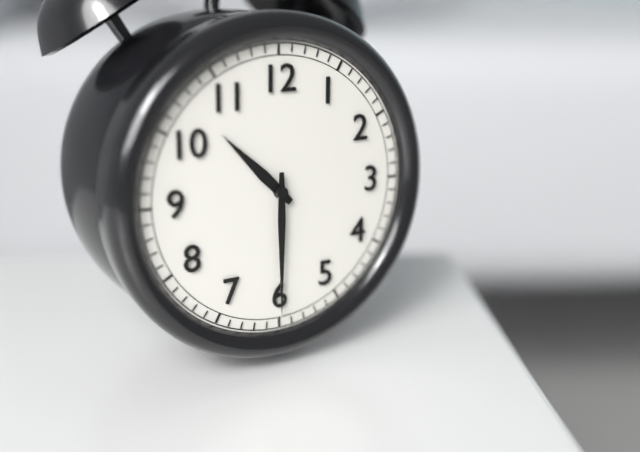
**10:30**
